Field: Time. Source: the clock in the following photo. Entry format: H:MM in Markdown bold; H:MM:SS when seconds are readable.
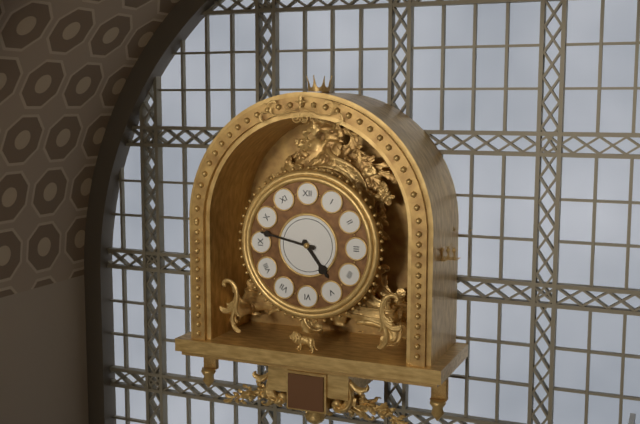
**4:47**
